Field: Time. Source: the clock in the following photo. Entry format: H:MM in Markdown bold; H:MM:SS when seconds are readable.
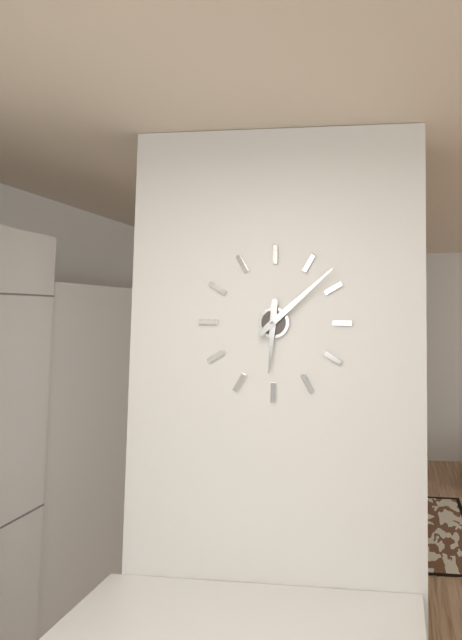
**6:08**
